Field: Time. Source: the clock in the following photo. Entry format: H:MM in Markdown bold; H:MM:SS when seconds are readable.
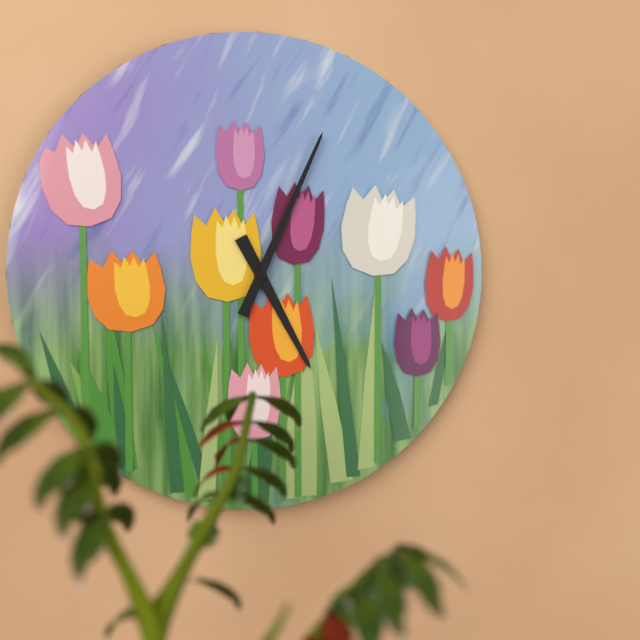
**5:04**
